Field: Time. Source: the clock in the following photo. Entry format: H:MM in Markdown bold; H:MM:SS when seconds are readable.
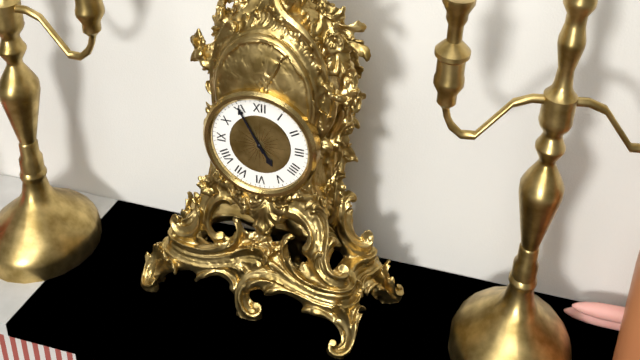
**4:55**
